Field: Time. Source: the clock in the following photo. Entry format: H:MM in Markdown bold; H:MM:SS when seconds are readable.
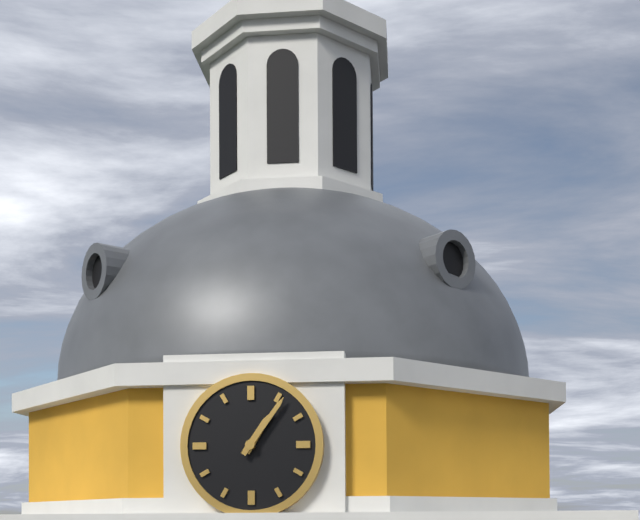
**1:06**
